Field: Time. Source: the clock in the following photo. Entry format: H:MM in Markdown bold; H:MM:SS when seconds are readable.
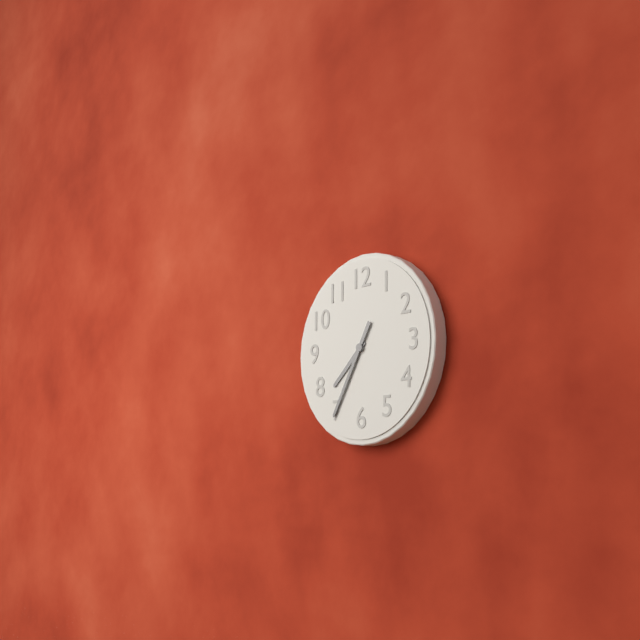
**7:35**
